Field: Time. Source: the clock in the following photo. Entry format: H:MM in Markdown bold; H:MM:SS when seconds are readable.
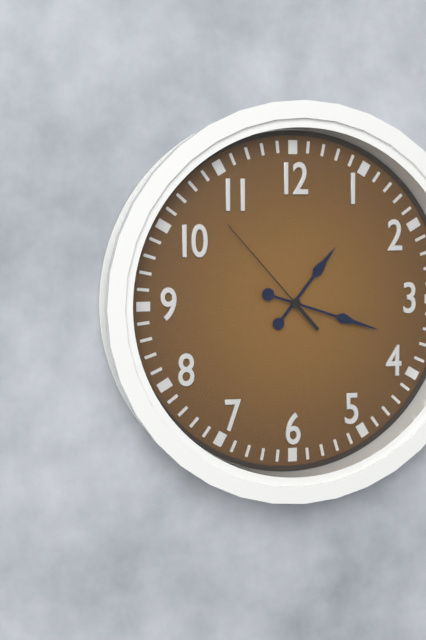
**1:18:53**
